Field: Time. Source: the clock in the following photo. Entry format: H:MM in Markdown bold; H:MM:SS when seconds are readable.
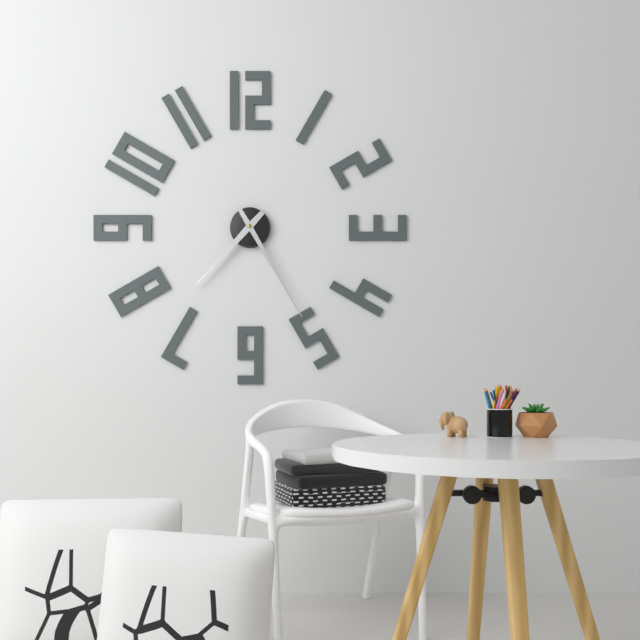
**7:25**
